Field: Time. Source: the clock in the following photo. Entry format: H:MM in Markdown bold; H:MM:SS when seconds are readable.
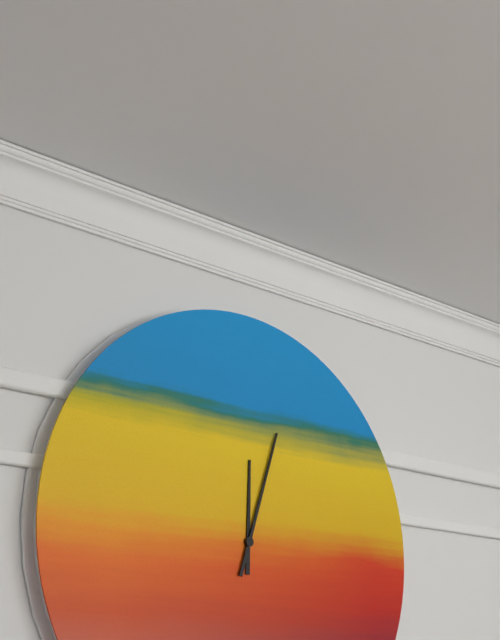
**12:03**
